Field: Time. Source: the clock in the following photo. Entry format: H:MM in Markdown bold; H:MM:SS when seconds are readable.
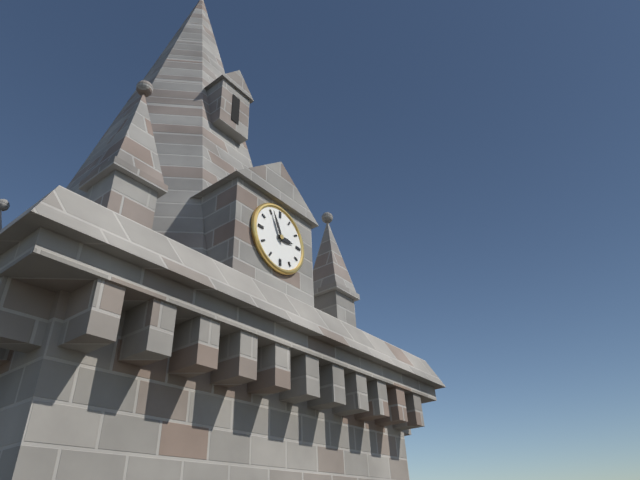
**2:56**
